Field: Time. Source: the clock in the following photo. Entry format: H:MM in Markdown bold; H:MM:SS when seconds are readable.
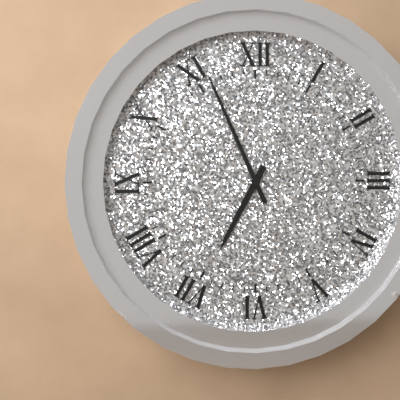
**6:56**
